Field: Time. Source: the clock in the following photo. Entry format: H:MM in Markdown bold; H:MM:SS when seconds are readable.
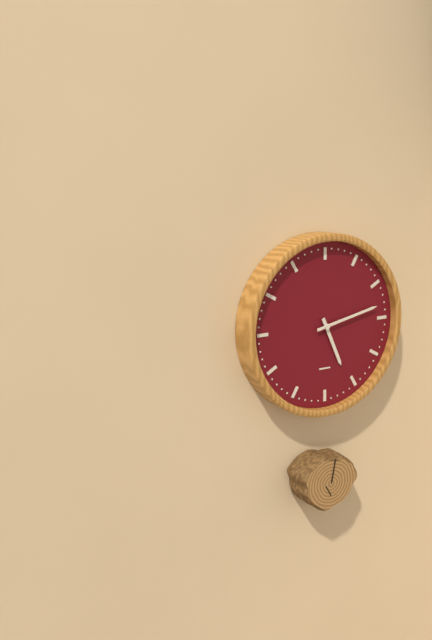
**5:13**
